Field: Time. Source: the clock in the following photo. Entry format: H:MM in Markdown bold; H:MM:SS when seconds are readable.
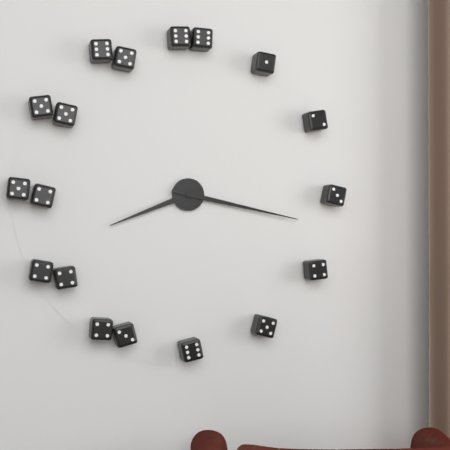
**8:17**
